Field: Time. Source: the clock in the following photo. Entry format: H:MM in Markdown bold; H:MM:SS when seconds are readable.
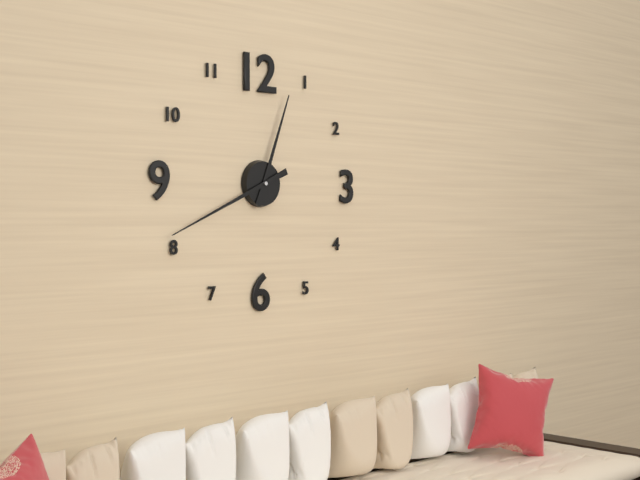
**12:41**
